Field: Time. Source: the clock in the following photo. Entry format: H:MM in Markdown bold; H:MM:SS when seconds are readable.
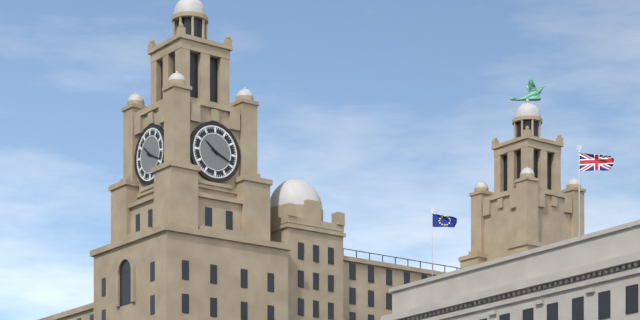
**10:19**
